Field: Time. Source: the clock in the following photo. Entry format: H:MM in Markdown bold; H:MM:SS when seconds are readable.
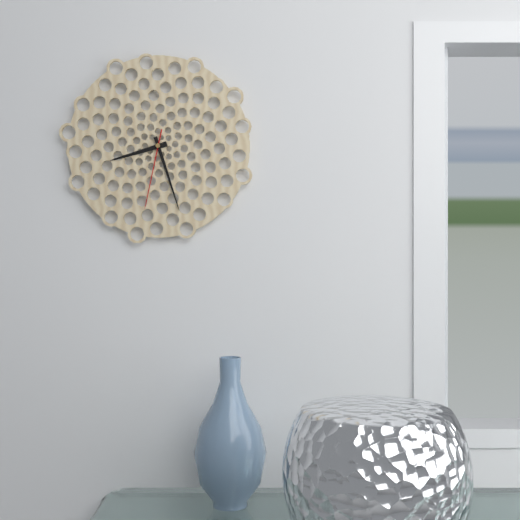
**8:27:32**
